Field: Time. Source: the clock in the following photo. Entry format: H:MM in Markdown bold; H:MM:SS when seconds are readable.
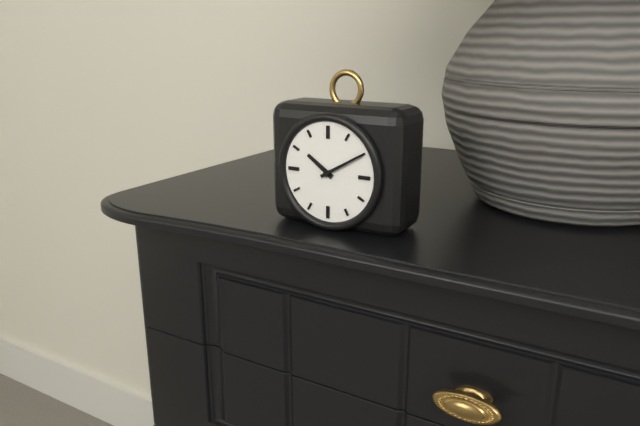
**10:10**
